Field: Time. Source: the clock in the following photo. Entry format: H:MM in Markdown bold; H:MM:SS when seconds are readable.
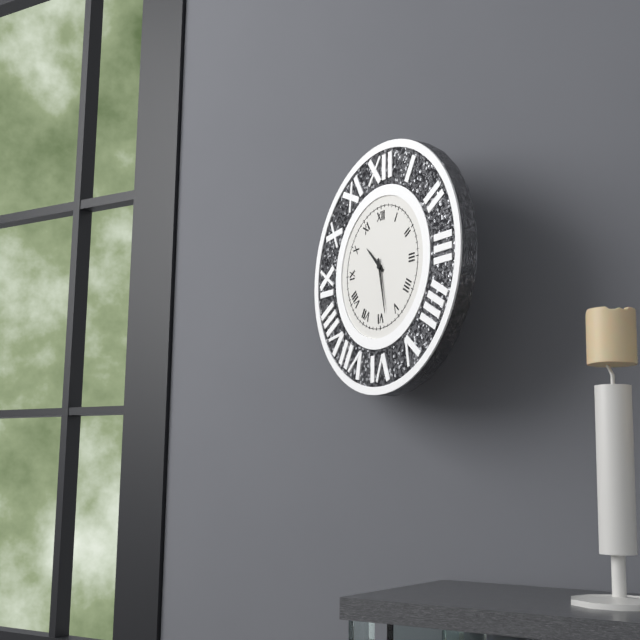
**10:28**
